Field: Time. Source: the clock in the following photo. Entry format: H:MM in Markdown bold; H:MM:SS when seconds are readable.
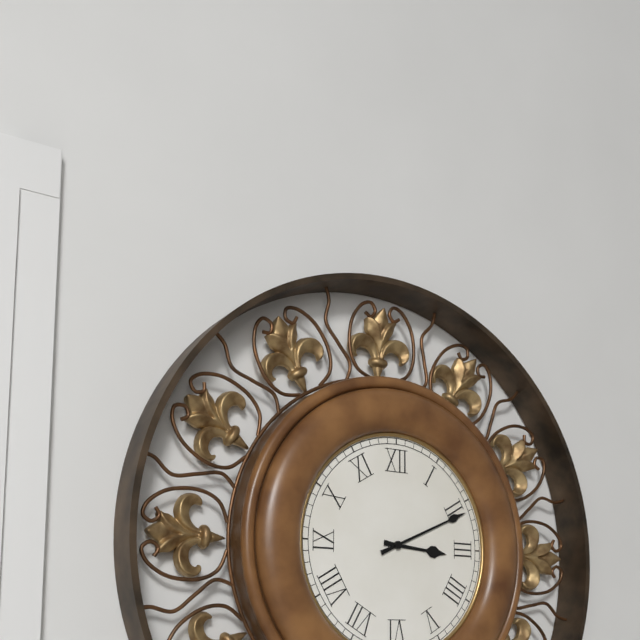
**3:11**
